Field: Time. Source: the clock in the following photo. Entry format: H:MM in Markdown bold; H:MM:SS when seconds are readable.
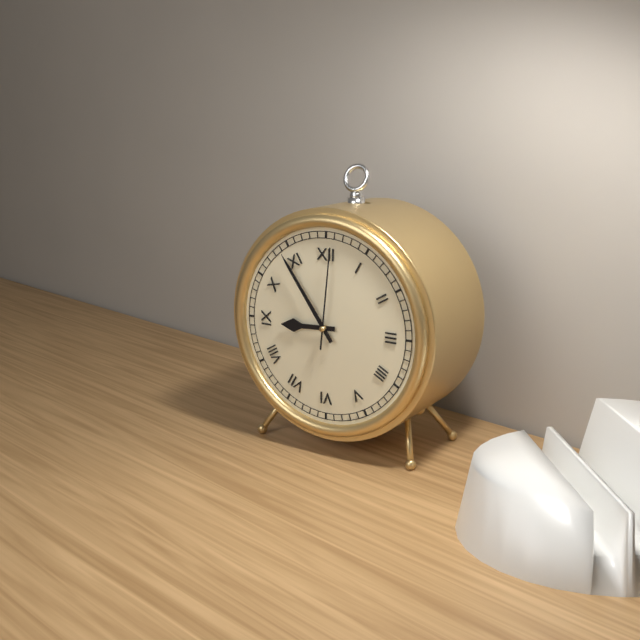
**8:54:01**
